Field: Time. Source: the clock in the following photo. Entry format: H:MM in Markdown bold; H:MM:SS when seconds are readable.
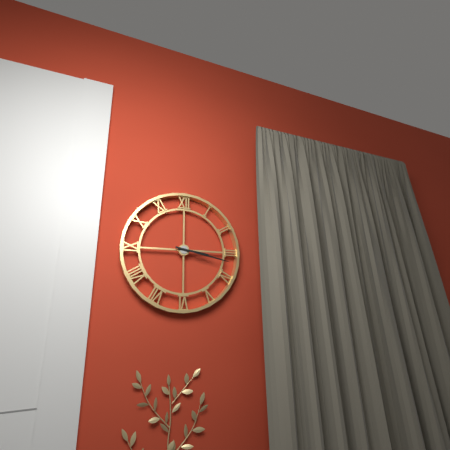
**3:17**
